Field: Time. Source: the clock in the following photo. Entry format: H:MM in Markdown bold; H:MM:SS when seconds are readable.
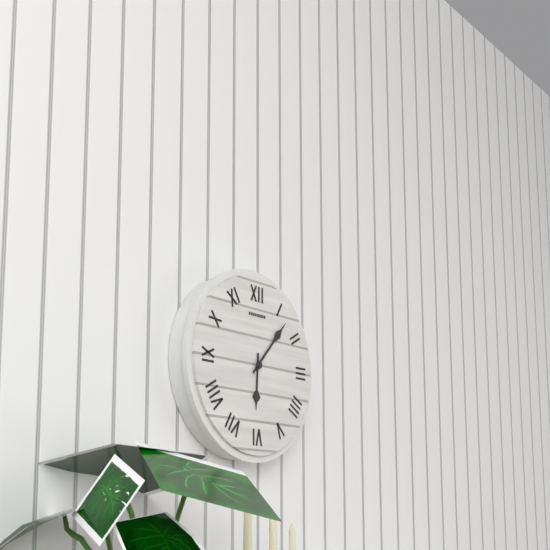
**6:07**
